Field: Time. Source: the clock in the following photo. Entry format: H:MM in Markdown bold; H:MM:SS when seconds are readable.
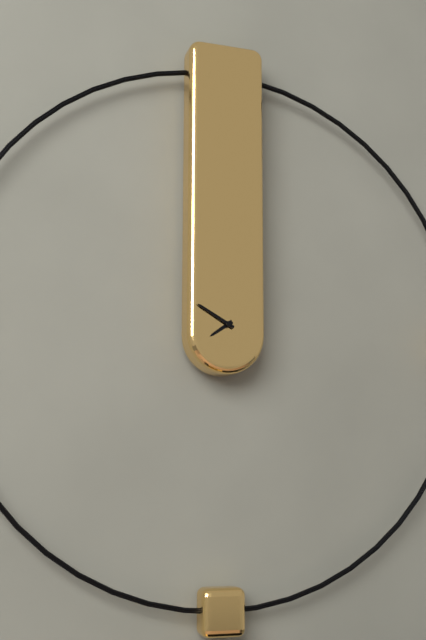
**7:50**
